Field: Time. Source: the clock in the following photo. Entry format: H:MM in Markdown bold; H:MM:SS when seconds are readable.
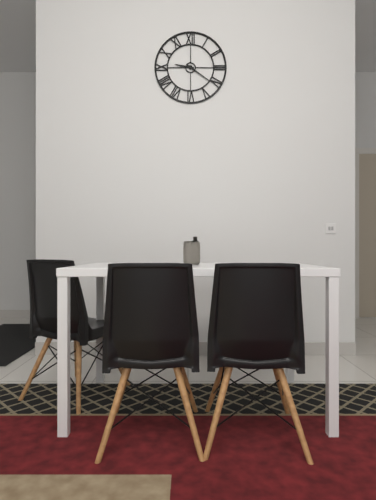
**9:21**
